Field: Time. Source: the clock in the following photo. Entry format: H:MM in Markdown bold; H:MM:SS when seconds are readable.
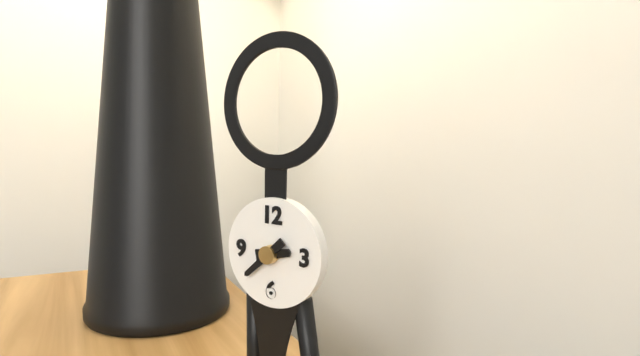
**2:38**
